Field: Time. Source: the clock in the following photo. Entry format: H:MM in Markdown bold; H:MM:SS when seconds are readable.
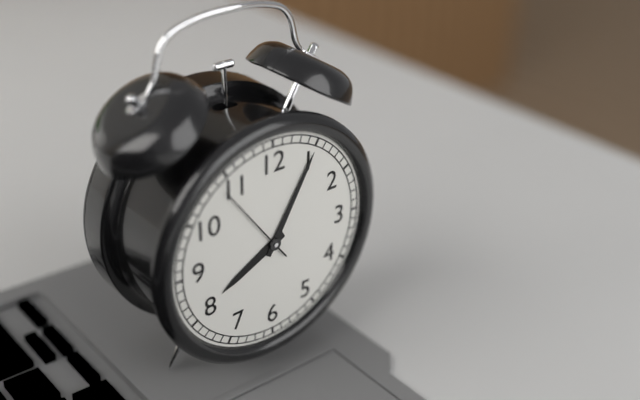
**8:05:54**
